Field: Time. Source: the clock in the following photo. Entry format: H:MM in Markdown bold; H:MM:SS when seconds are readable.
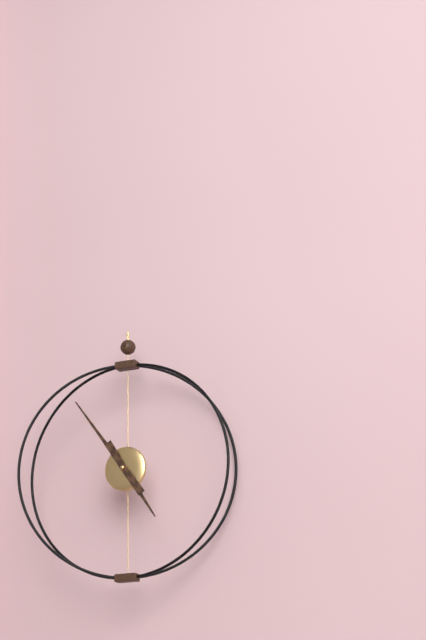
**4:54**
